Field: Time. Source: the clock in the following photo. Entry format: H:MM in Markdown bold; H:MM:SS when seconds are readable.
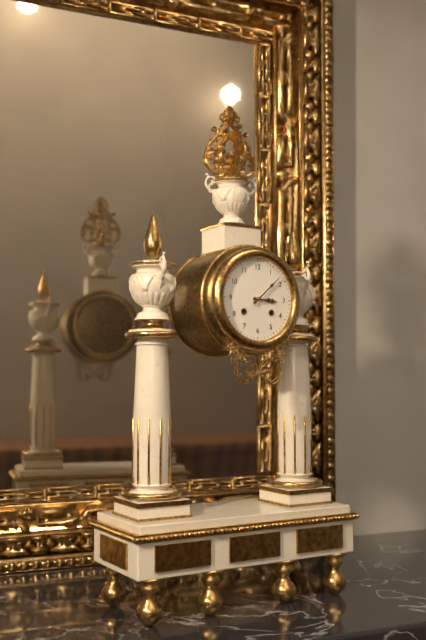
**3:08**
